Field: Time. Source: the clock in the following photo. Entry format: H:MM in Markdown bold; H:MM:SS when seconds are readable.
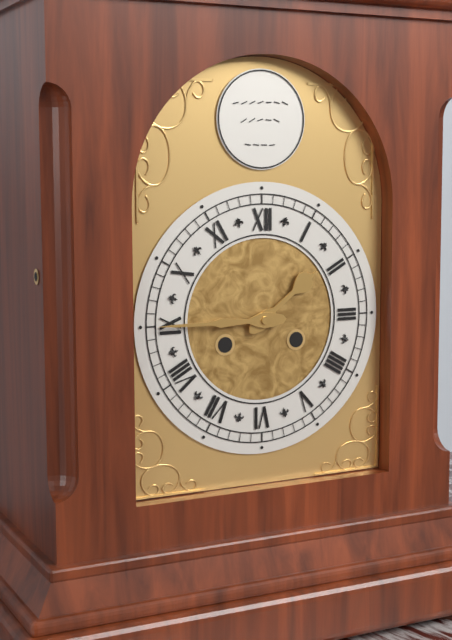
**1:45**
